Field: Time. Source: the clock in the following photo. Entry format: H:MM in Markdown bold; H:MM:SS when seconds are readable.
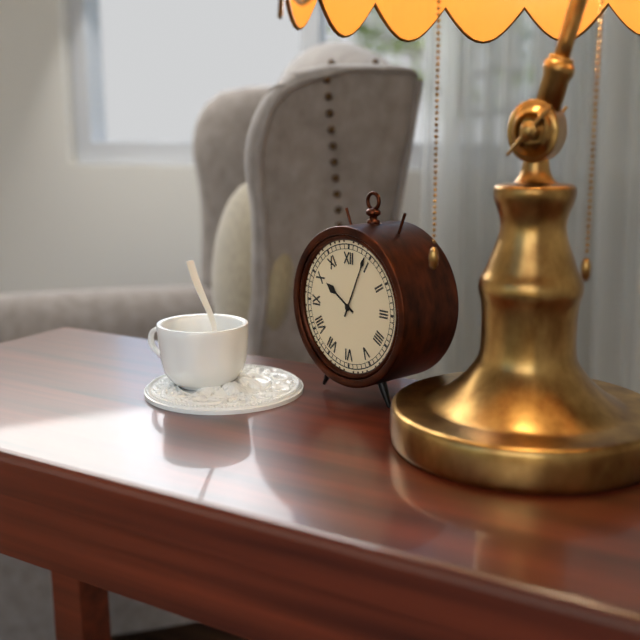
**10:04**
